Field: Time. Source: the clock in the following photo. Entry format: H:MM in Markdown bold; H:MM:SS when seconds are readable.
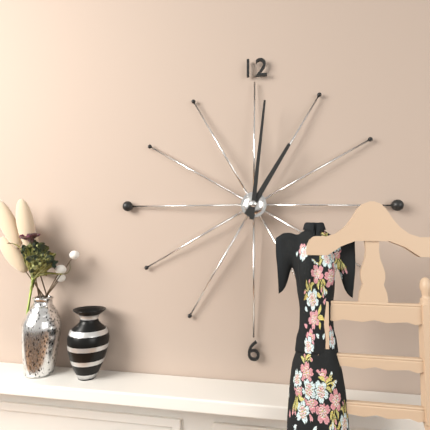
**1:01**
